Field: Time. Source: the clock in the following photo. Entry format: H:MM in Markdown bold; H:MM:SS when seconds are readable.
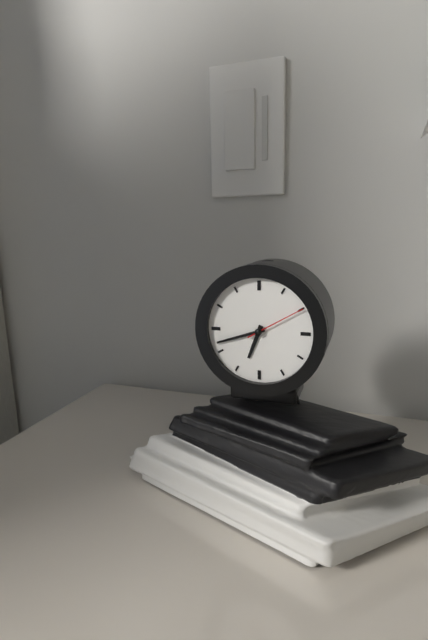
**6:42:10**
